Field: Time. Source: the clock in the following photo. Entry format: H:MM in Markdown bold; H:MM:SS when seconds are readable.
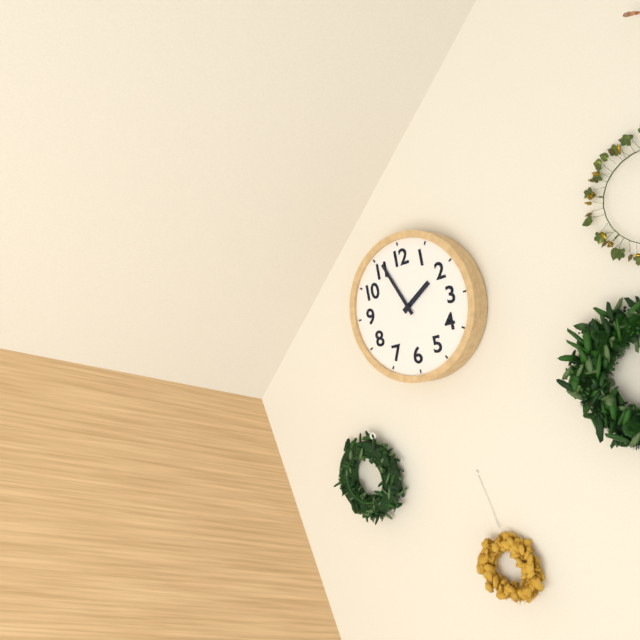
**1:56**
